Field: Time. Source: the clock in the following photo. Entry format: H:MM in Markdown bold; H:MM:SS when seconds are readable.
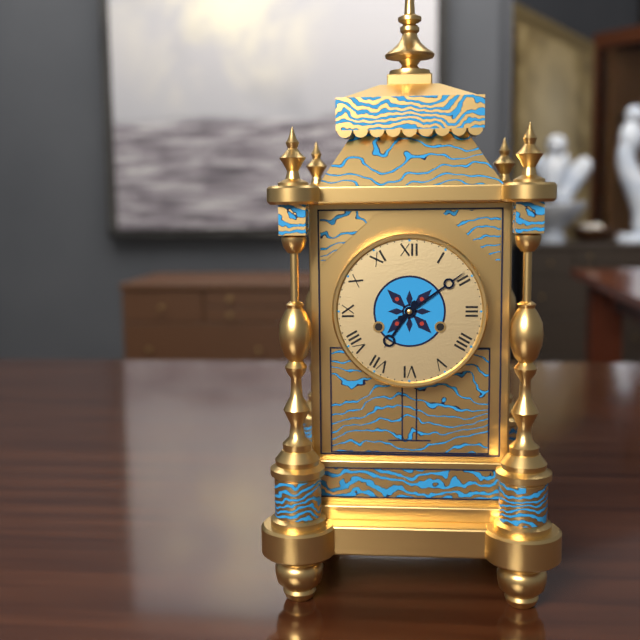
**7:09**
